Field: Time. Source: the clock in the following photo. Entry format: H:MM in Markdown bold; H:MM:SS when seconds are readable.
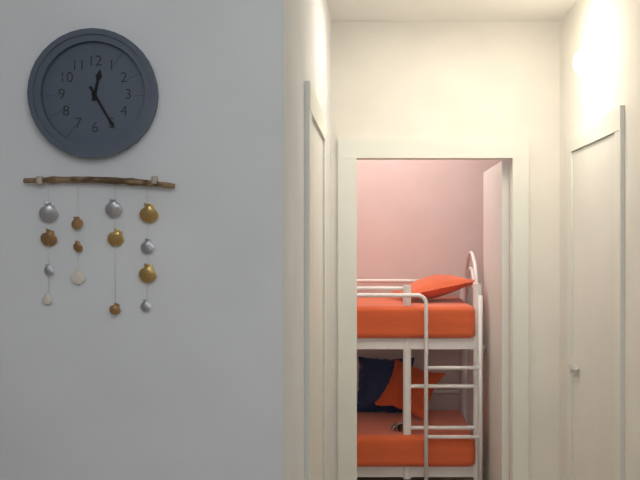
**12:25**
